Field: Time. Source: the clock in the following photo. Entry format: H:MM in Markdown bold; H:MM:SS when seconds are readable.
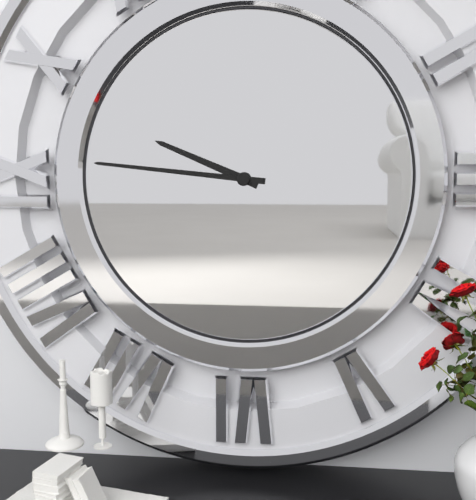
**9:46**
